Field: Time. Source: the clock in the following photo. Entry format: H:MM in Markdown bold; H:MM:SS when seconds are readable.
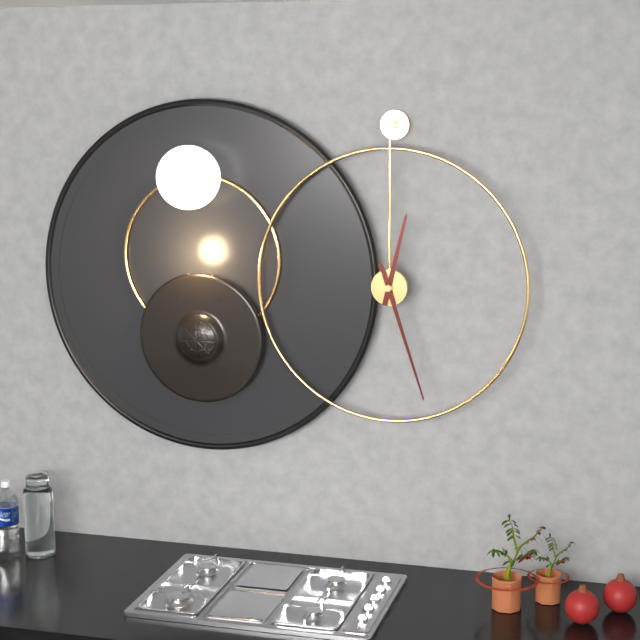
**12:27**
